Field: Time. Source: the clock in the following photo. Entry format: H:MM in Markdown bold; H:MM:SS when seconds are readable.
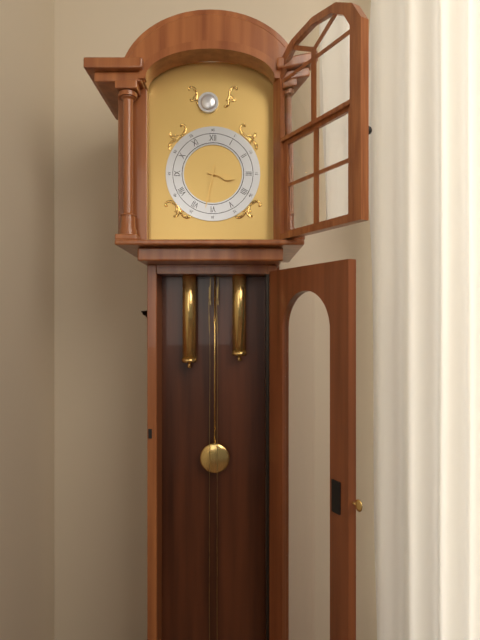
**3:32**
